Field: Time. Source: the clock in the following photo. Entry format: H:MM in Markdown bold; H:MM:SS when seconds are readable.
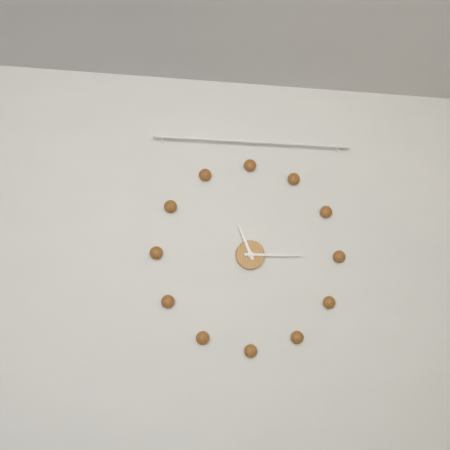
**11:15**
